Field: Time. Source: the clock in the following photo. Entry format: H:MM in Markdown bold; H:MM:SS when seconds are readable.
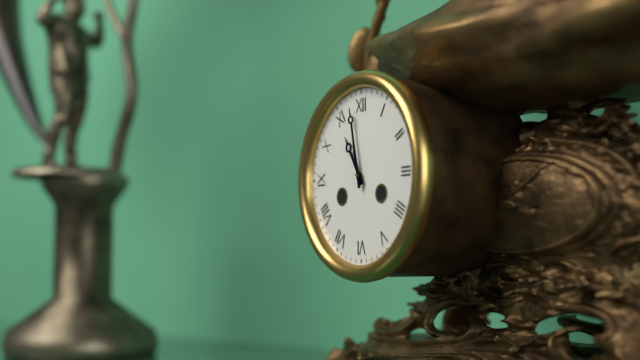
**10:58**
